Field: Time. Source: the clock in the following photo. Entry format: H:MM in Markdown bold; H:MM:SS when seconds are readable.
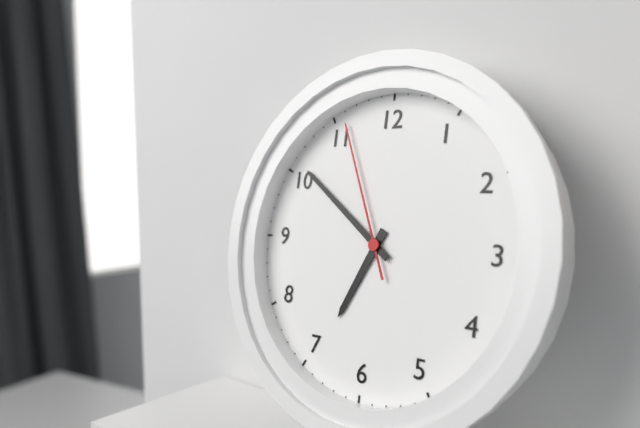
**6:51:56**
